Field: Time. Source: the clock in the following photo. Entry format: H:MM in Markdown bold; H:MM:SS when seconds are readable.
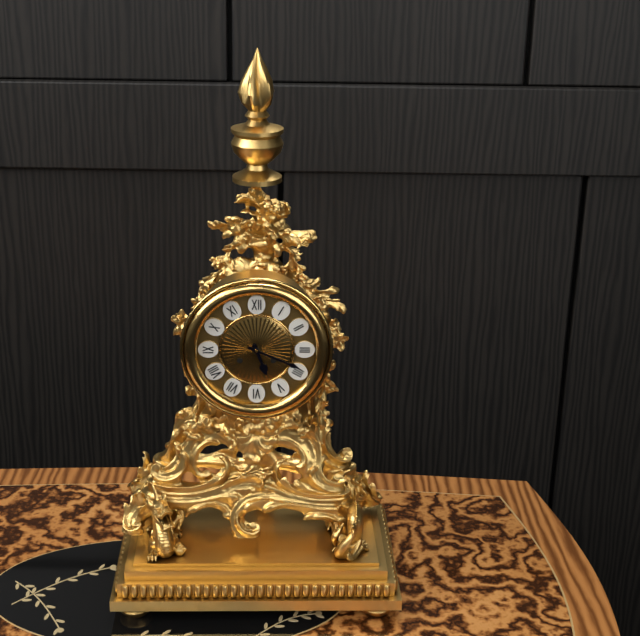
**5:19**
